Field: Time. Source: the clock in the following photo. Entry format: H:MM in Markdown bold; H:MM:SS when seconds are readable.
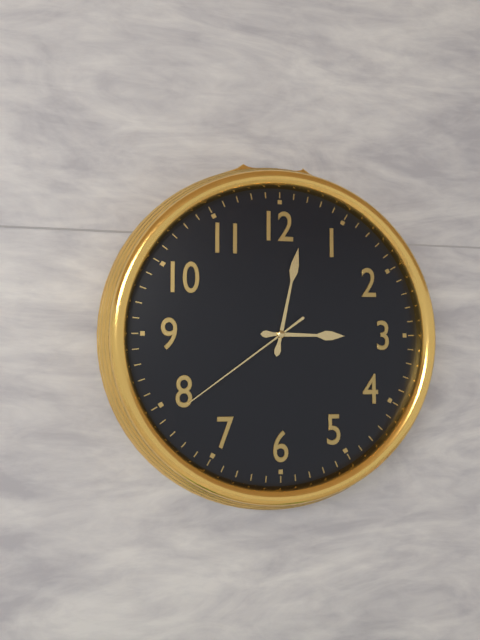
**3:02:39**
